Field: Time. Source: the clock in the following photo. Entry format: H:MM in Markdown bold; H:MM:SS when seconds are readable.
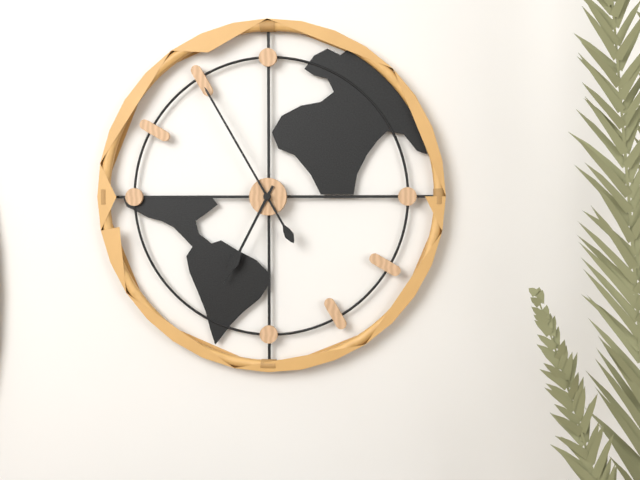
**6:55**
